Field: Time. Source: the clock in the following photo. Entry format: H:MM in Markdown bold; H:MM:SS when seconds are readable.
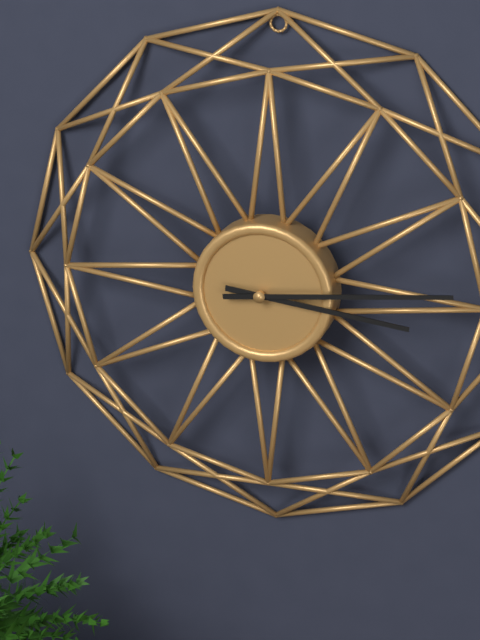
**3:14**
